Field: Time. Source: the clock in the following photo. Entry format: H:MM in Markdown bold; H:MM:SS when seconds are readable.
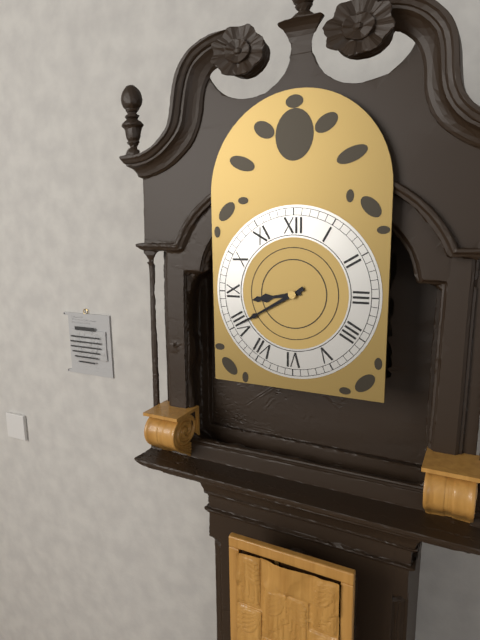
**8:40**
